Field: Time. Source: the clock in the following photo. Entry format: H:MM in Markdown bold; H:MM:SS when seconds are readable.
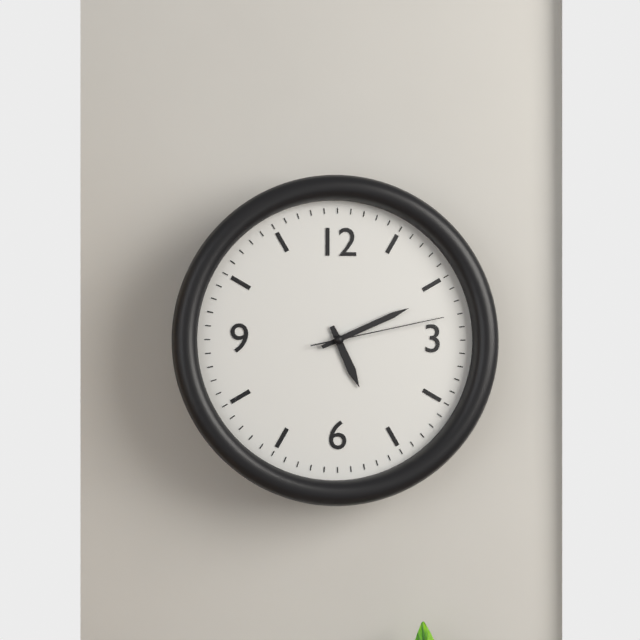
**5:11:13**
